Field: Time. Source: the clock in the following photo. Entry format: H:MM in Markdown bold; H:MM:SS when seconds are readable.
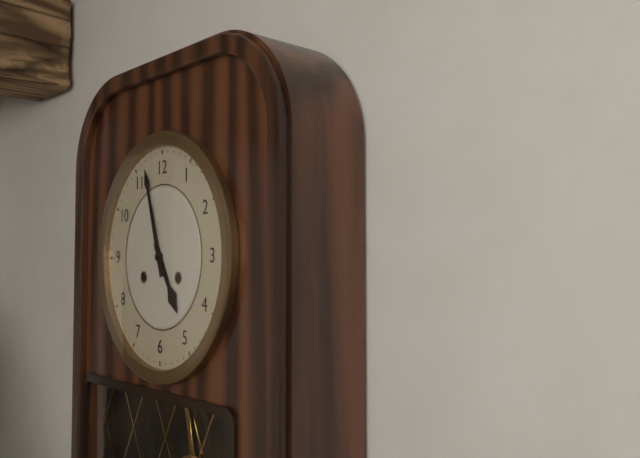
**4:57**
